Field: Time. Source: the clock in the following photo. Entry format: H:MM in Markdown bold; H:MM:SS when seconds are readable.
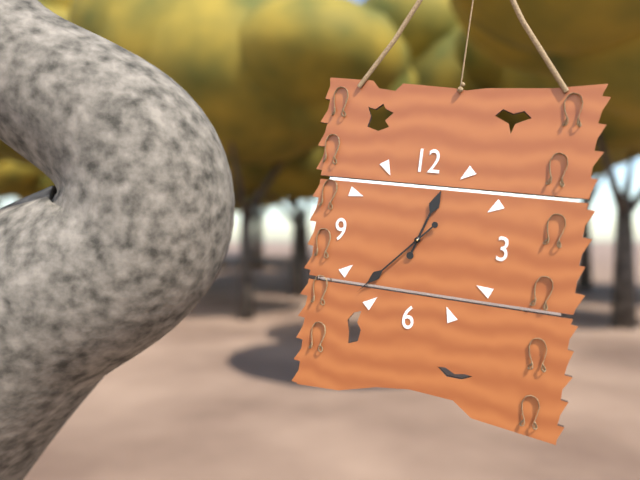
**12:37**
